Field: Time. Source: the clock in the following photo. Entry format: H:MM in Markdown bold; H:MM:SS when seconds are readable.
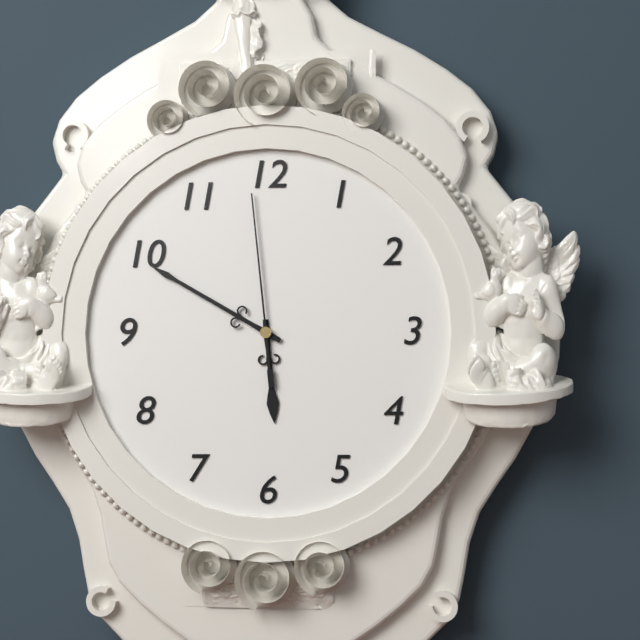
**5:50:59**
